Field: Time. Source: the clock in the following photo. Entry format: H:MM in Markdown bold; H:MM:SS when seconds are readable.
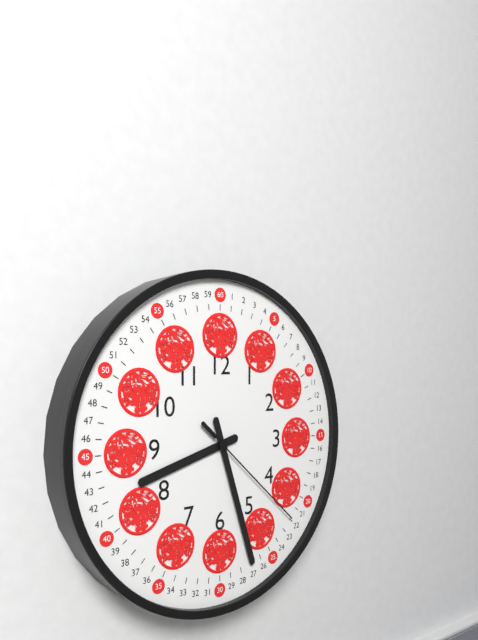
**8:27:22**
